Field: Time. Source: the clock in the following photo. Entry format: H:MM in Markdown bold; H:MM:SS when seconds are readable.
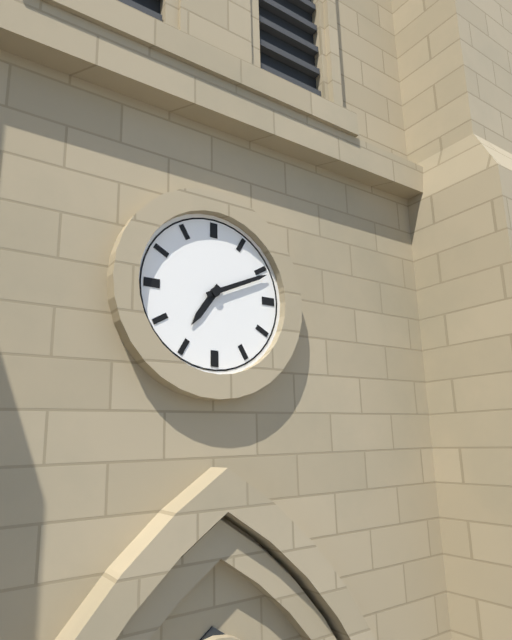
**7:11**
